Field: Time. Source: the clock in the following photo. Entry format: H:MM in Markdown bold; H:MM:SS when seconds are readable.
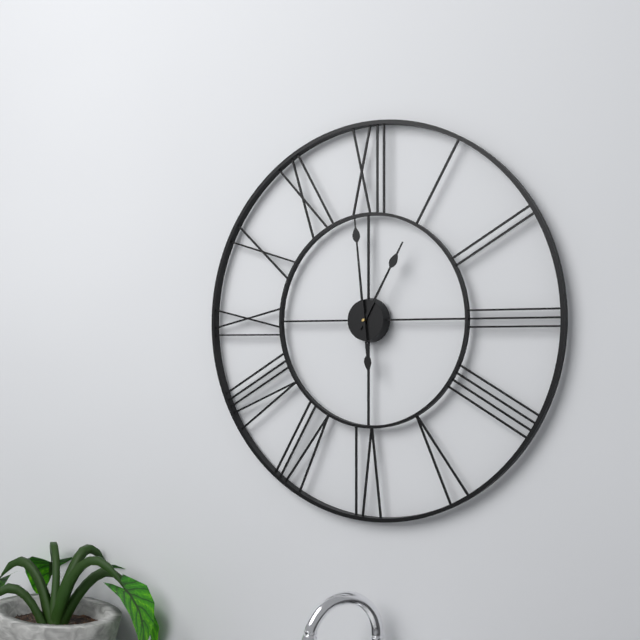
**12:59**
